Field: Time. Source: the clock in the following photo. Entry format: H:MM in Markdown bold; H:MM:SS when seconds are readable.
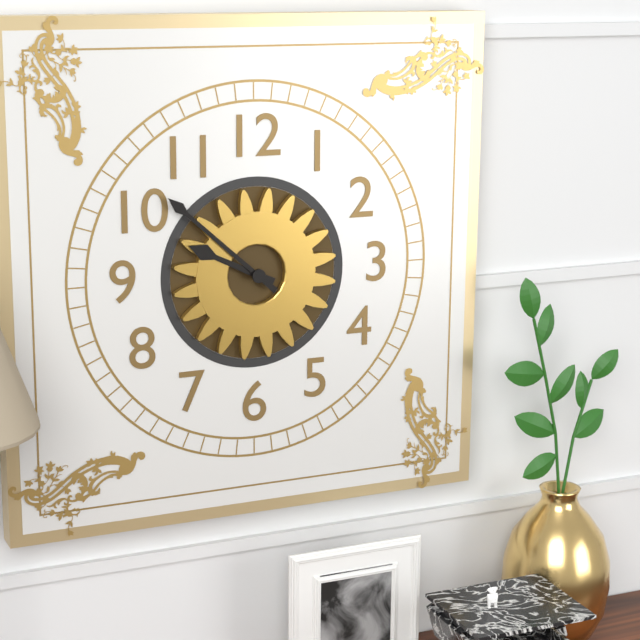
**9:52**
